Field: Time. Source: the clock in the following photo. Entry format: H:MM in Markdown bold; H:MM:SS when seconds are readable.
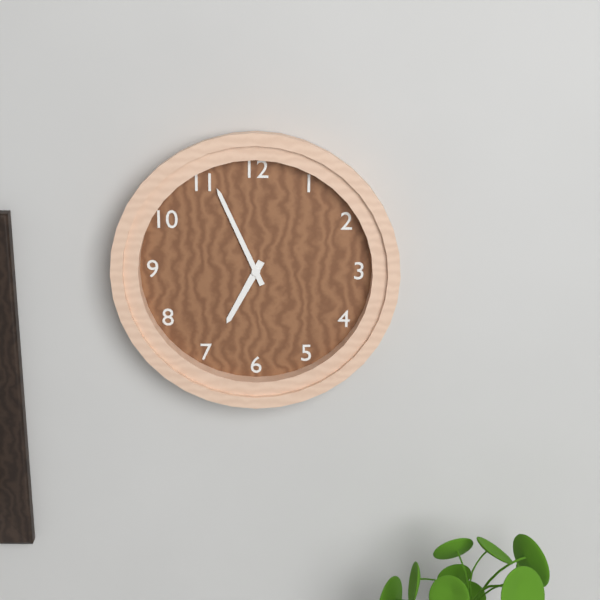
**6:56**
